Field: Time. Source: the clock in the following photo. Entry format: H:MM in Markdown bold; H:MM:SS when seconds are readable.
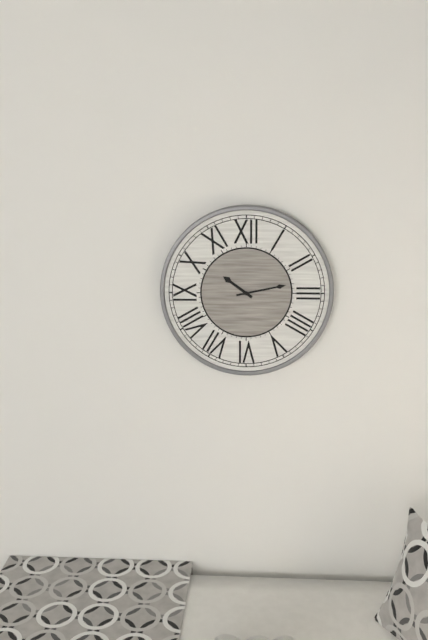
**10:13**
